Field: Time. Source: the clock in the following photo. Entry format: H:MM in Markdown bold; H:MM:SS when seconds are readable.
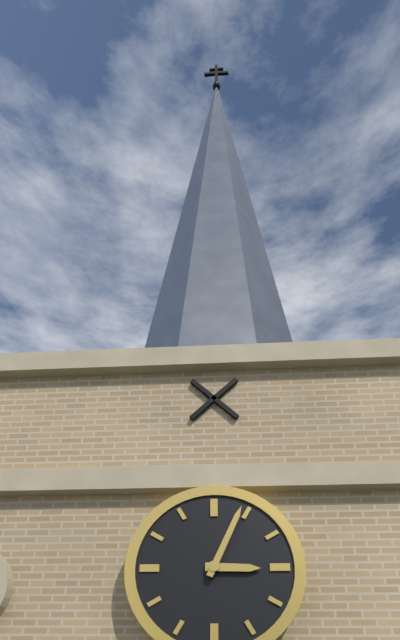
**3:04**
